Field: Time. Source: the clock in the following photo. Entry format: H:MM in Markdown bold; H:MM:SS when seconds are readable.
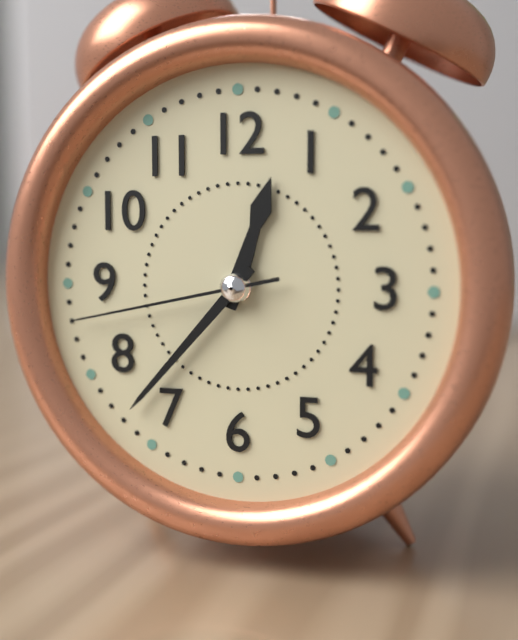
**12:37:43**
